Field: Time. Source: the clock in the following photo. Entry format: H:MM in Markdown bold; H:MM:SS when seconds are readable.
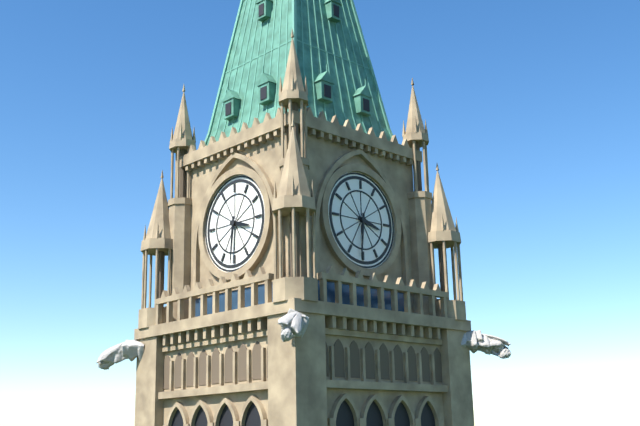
**3:31**
